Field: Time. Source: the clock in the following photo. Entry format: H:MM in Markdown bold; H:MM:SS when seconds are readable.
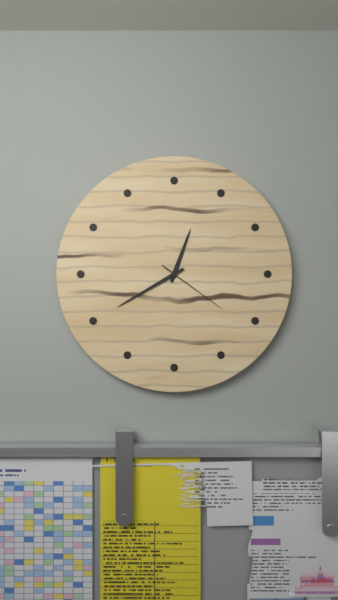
**12:40:21**
